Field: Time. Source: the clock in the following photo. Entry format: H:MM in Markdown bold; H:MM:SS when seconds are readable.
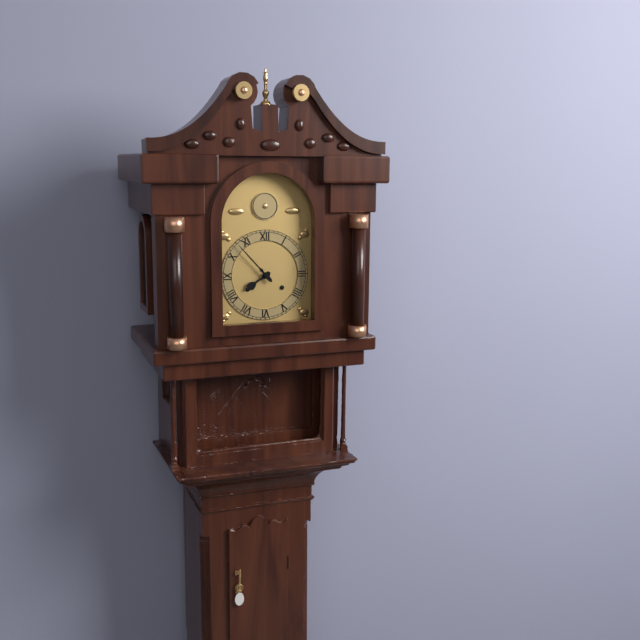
**7:53**
